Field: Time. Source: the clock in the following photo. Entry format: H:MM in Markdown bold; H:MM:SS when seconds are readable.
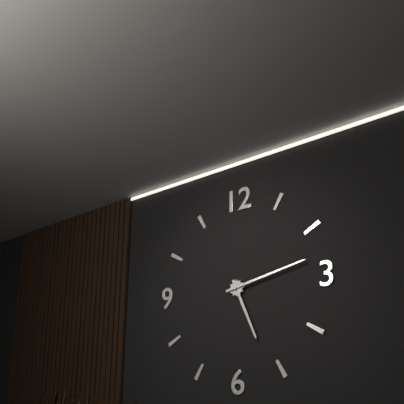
**5:13**
